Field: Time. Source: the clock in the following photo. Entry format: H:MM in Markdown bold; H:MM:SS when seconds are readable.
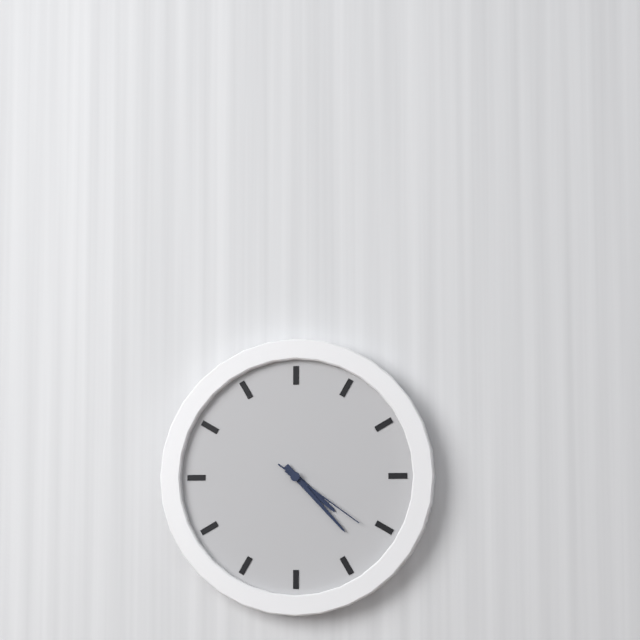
**4:23:21**
